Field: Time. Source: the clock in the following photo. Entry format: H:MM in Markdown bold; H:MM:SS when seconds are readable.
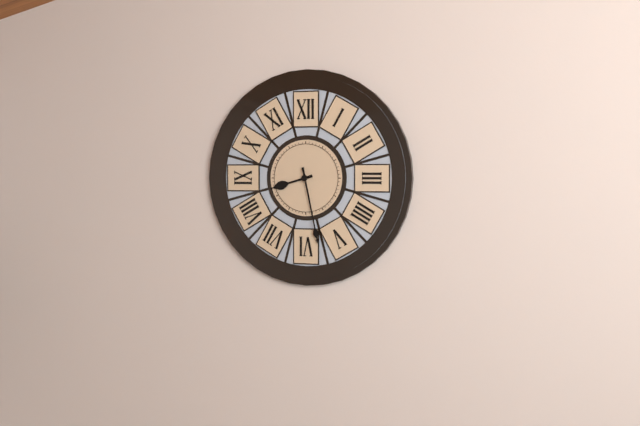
**8:28**
